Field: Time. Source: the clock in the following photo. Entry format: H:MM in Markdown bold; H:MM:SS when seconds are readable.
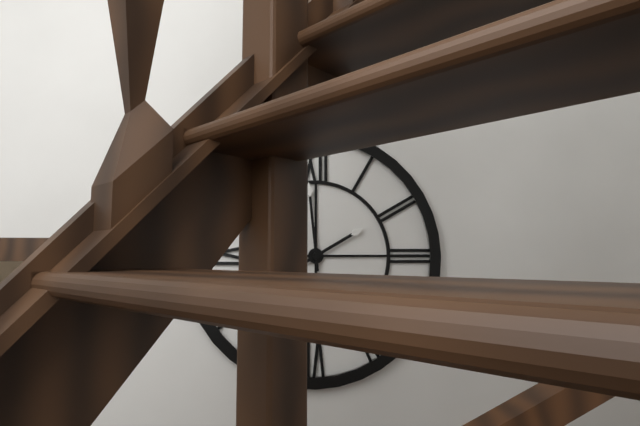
**1:59**
